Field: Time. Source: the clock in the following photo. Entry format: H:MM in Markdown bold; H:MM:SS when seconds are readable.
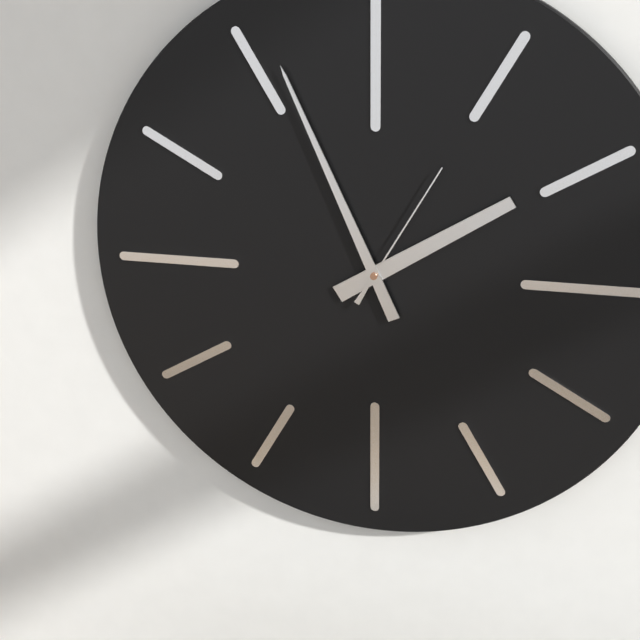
**1:56:05**
